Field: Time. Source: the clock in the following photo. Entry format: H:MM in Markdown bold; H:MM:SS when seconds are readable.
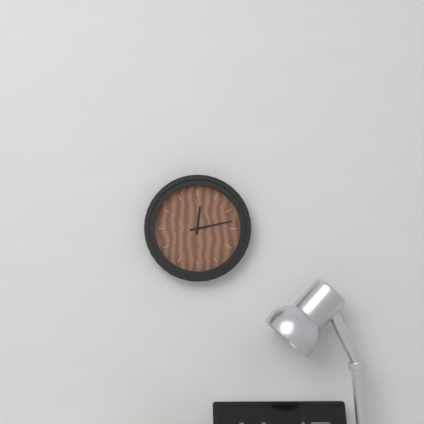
**12:13**
